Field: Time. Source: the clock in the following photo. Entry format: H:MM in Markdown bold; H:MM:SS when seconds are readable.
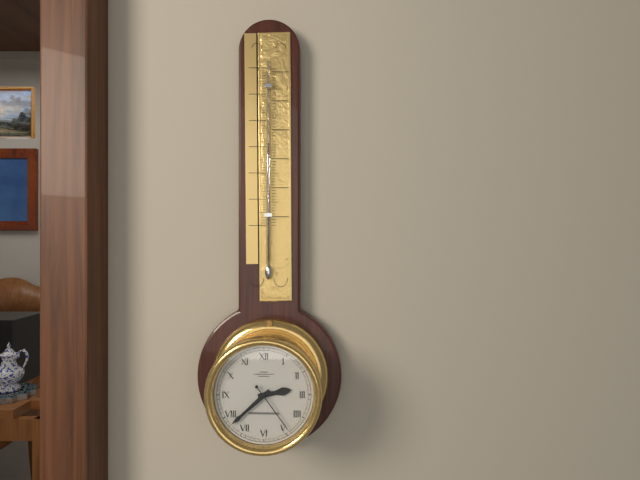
**2:38:24**
